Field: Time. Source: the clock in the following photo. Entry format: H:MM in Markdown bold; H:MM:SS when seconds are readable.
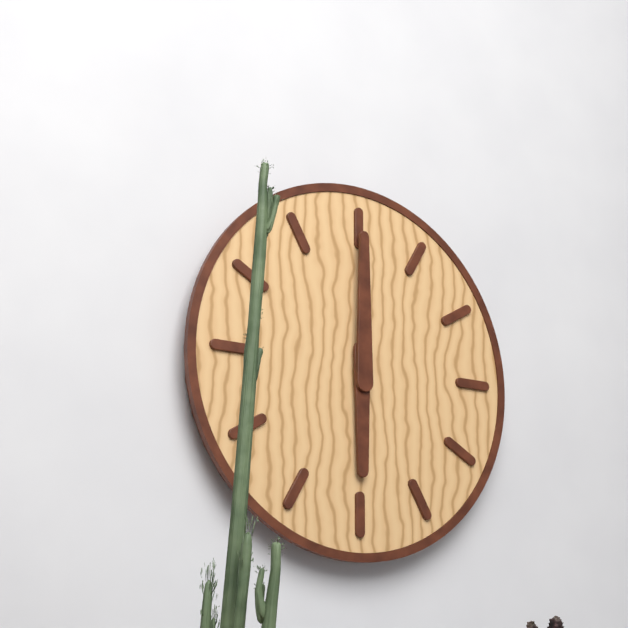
**6:00**
